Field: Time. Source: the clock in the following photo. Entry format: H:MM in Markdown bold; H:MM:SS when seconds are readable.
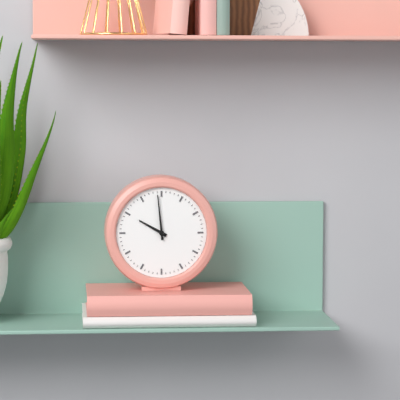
**9:59**
